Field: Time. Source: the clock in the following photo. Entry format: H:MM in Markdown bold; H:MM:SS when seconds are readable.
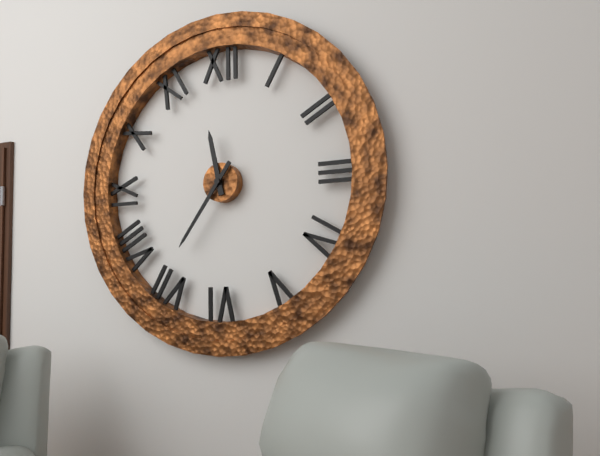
**11:36**
